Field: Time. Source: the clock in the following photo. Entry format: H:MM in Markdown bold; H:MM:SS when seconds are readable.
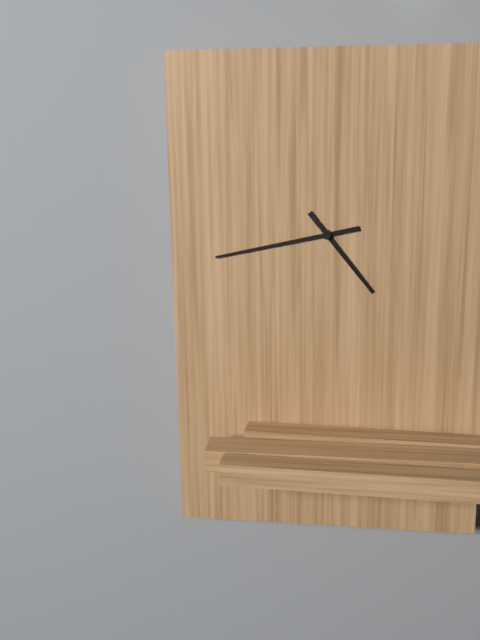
**4:43**
